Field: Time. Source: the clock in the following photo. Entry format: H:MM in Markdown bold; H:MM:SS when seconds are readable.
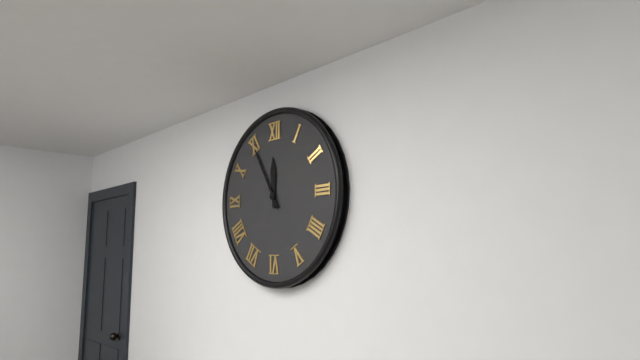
**11:55**
